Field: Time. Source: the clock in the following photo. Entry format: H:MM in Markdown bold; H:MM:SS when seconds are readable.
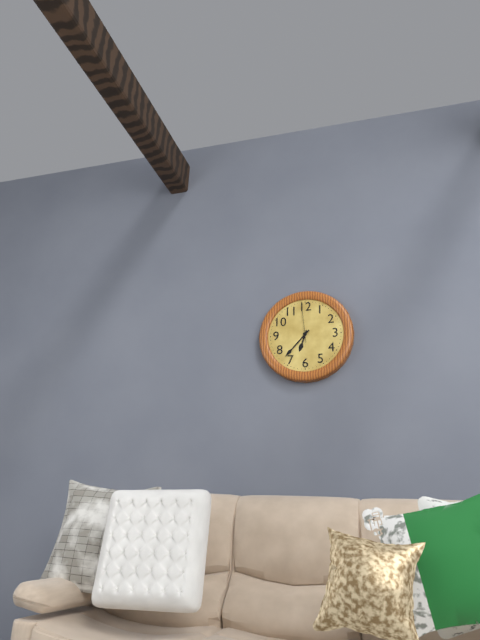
**6:37**
